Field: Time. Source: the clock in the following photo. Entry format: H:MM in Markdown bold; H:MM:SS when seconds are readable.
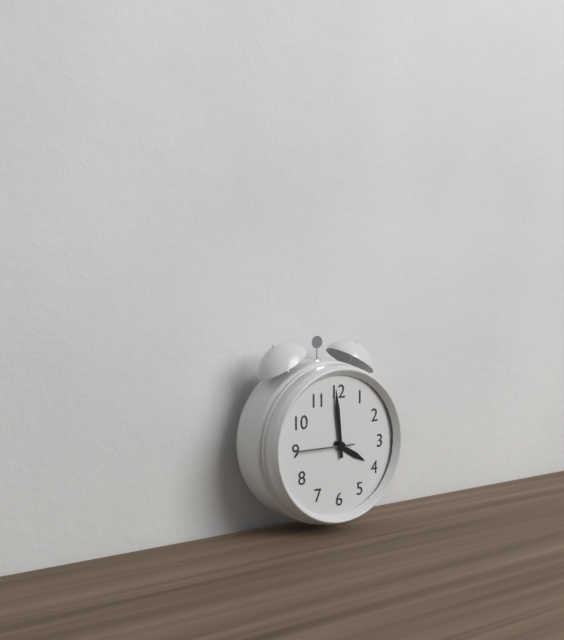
**3:59:45**
